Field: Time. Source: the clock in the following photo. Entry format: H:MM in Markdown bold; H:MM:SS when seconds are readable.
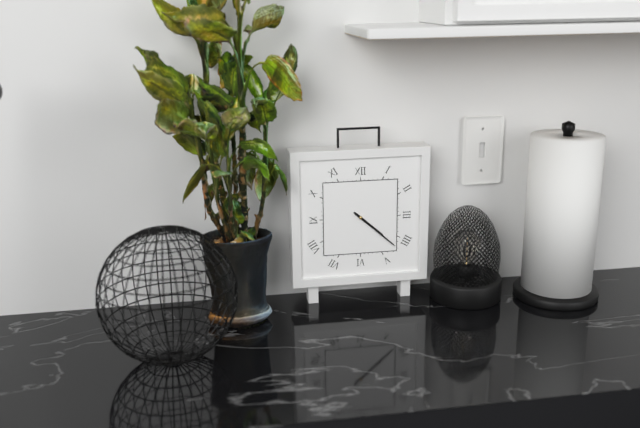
**4:22**
